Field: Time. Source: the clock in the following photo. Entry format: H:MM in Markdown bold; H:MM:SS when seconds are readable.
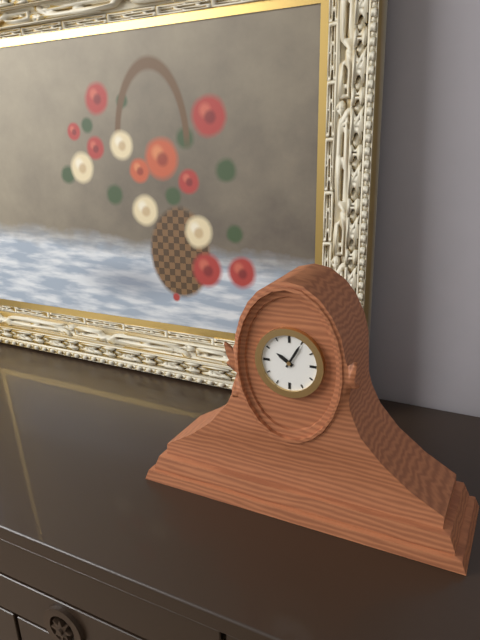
**10:05**
